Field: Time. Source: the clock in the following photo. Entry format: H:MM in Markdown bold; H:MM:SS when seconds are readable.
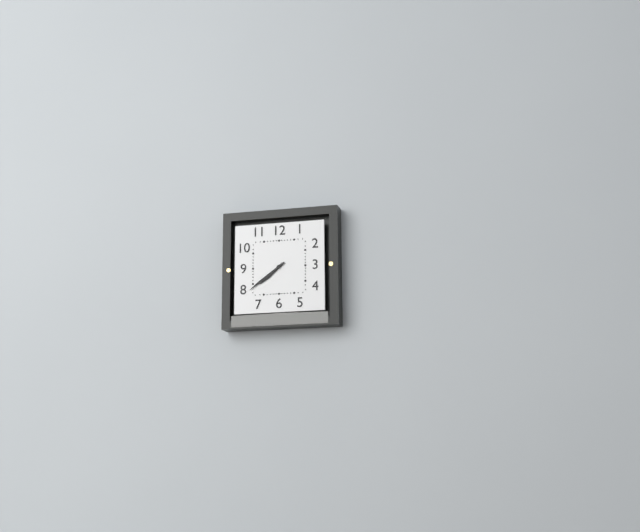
**7:39**
